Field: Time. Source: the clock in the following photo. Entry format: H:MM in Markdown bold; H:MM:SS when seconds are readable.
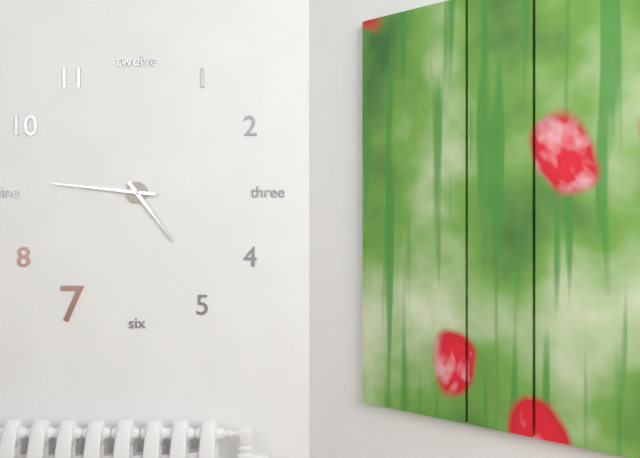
**4:46**
